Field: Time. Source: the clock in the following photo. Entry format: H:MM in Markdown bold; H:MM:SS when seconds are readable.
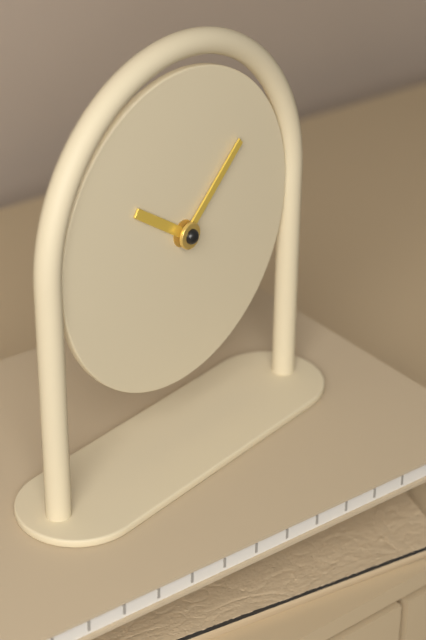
**10:08**
